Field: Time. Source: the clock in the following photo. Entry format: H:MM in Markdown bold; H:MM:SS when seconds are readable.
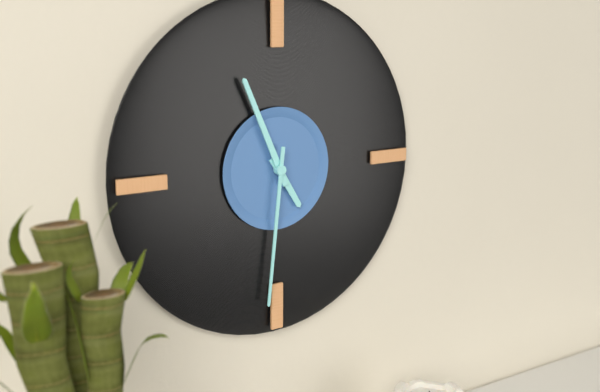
**4:56:31**
